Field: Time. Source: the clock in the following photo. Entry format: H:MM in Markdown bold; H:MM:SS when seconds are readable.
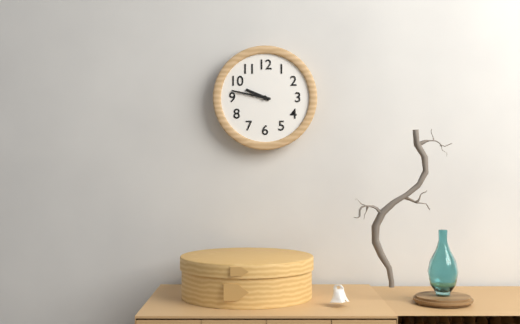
**9:47**
